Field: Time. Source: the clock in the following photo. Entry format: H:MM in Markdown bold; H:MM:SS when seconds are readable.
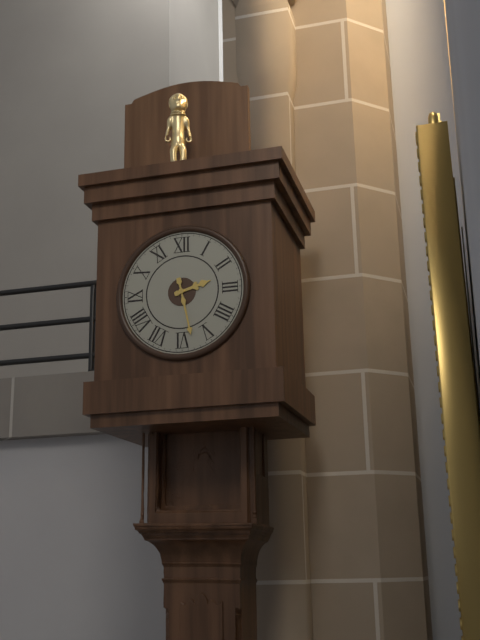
**2:28**
